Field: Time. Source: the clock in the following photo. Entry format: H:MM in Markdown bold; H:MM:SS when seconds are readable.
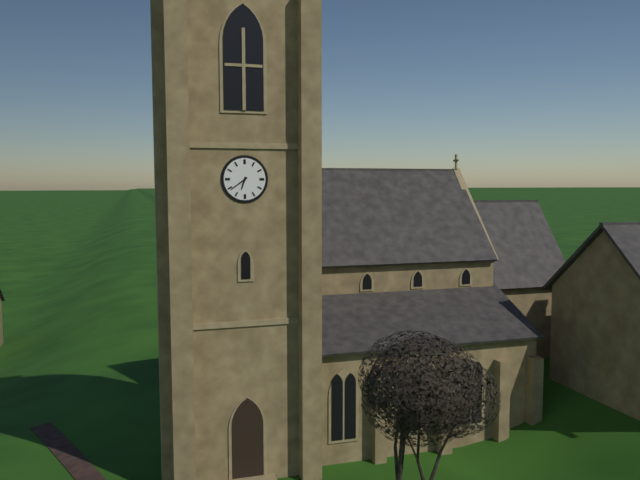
**6:39**
